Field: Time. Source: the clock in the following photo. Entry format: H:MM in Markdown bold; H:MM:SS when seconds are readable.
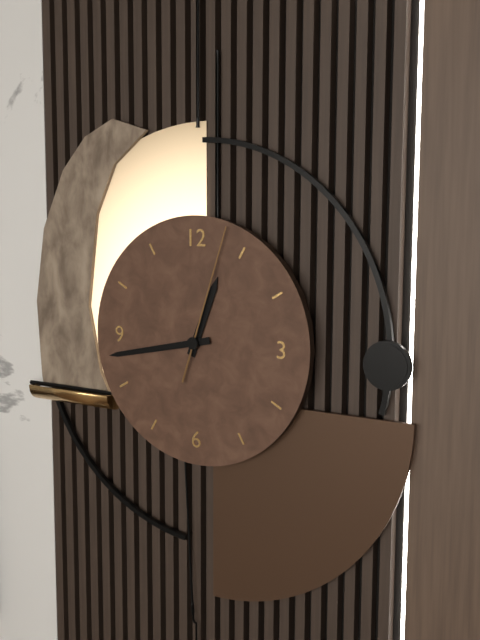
**12:43:03**
